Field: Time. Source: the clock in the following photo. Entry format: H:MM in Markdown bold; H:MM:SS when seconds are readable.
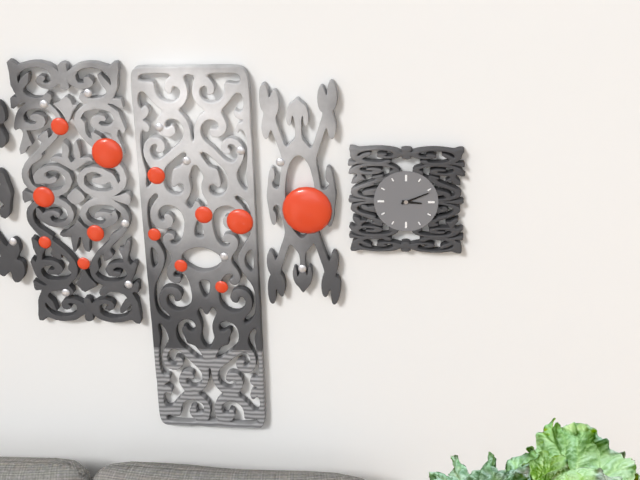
**3:11**
